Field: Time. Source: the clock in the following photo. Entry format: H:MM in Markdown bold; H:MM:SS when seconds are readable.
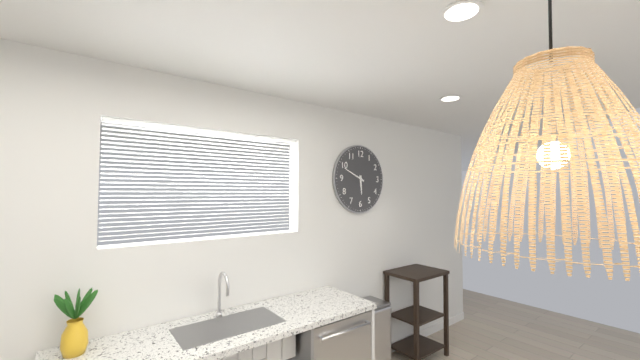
**5:49**
